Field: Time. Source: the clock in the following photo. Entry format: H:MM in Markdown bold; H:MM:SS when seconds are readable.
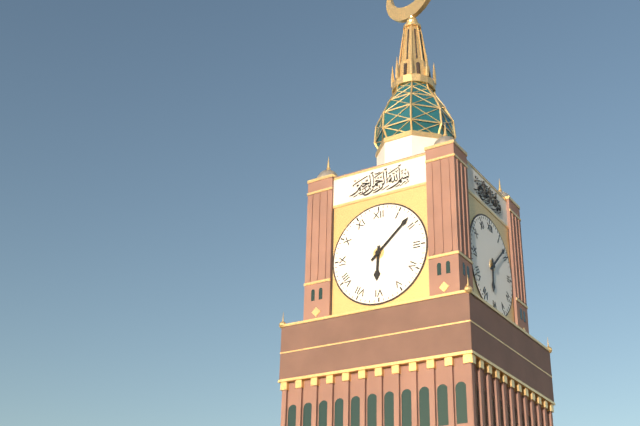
**6:08**
